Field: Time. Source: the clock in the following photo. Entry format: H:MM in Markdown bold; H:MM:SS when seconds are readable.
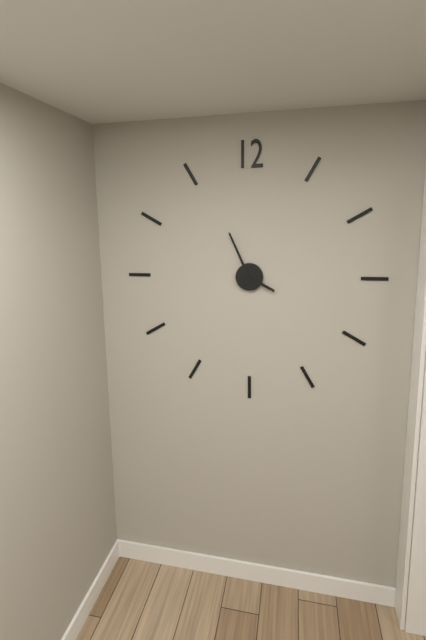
**3:56**
